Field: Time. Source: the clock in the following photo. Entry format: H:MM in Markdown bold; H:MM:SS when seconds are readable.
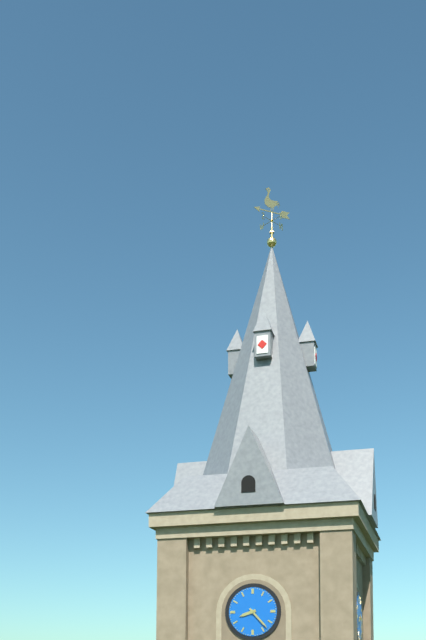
**8:23**
